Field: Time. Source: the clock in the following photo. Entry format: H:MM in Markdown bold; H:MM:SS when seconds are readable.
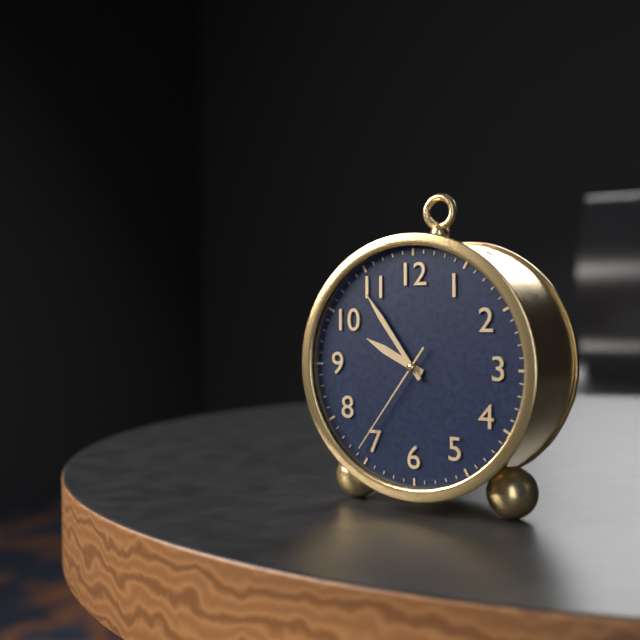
**9:54:36**
